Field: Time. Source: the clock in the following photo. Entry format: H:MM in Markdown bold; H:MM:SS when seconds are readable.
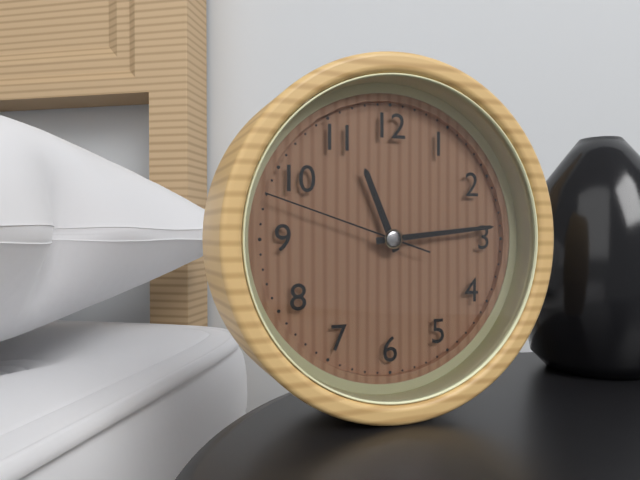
**11:14:48**
